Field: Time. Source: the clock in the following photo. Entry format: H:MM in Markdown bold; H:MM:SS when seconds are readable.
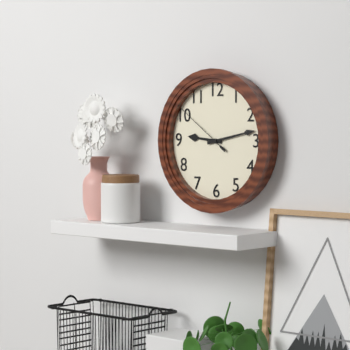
**9:13:51**
